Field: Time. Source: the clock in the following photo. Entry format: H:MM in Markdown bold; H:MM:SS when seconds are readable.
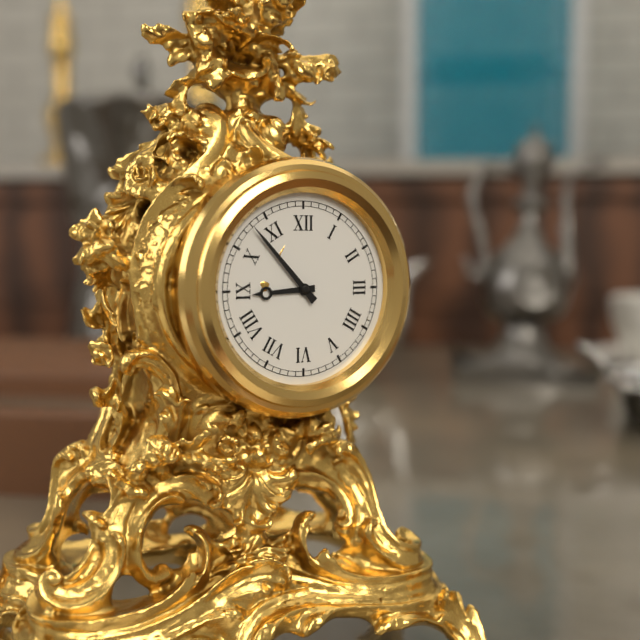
**8:53**
